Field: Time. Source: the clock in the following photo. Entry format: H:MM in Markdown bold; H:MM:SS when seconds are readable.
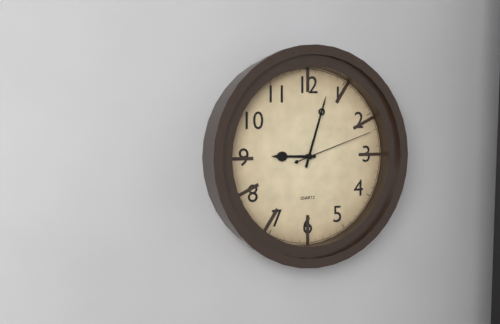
**9:03:12**
